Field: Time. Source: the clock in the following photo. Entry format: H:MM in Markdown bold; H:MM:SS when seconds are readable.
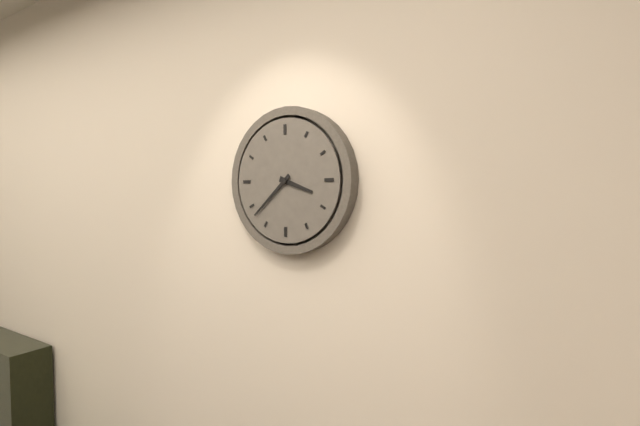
**3:38**
